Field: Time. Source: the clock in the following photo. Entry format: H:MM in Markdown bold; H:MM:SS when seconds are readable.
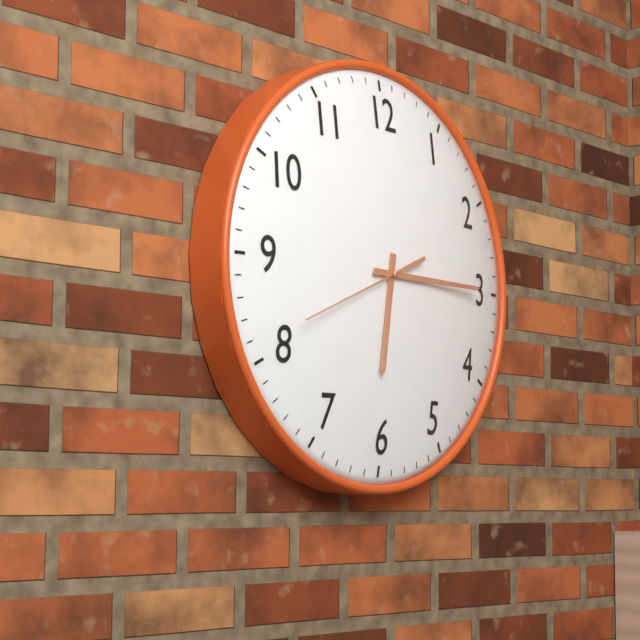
**6:15:41**
